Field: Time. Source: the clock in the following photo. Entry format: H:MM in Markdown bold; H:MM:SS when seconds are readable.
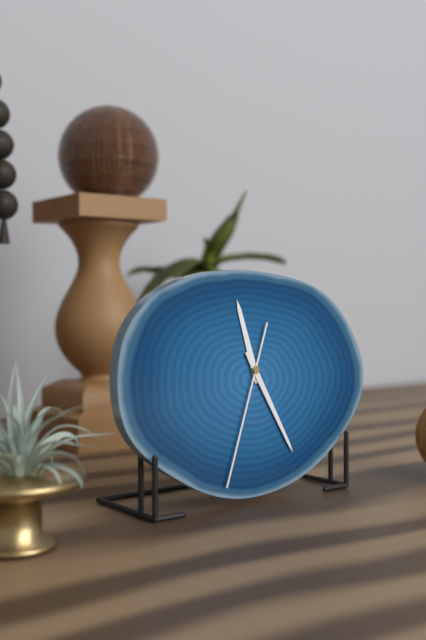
**11:25:33**
